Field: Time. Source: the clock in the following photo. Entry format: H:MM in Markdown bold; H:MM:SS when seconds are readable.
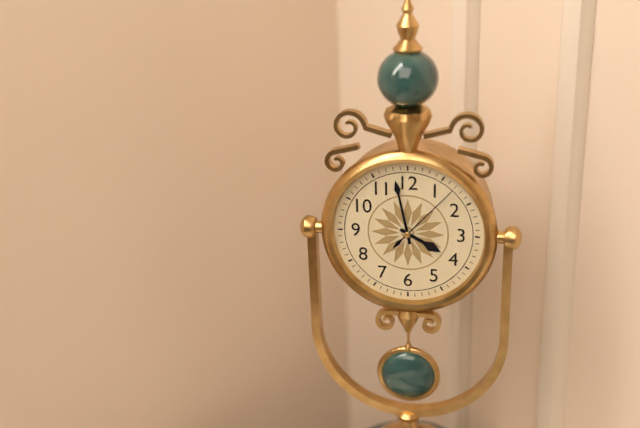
**3:58:07**
